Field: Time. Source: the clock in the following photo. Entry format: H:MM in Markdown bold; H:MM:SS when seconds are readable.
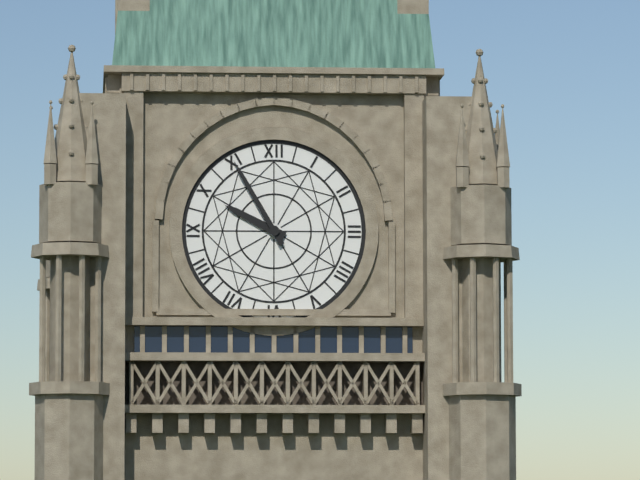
**9:55**
